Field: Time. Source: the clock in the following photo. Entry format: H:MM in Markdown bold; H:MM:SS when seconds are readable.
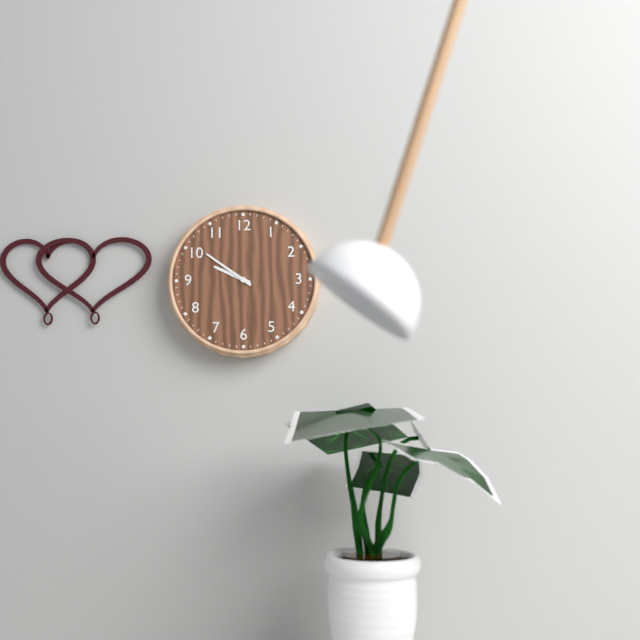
**9:51**
